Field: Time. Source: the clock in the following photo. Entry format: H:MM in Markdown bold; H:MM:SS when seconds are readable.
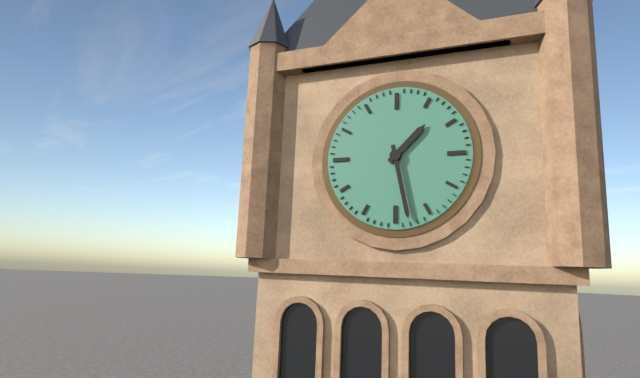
**1:28**
